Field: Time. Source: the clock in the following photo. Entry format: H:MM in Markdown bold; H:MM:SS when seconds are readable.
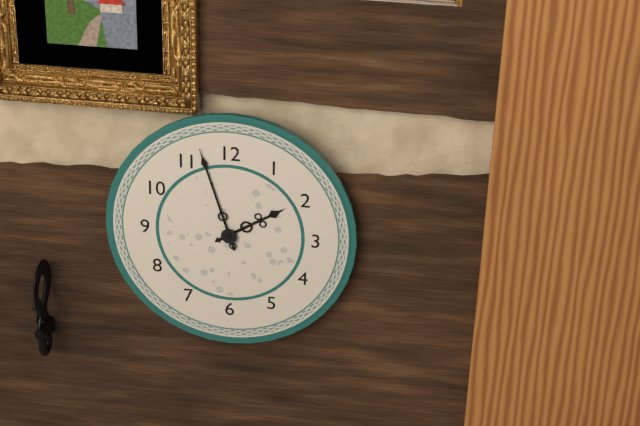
**1:57**
